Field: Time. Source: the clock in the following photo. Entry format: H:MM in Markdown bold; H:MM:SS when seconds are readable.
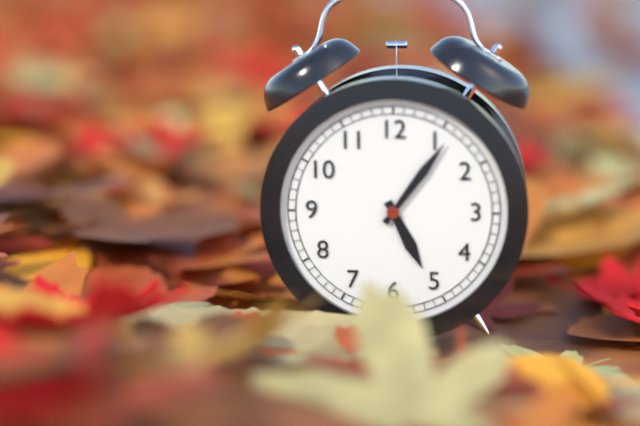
**5:06**
